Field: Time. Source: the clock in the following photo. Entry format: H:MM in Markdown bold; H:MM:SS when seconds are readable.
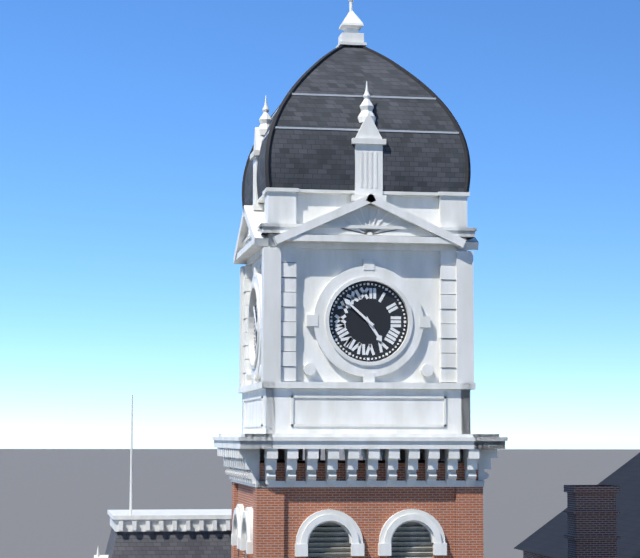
**4:52**
